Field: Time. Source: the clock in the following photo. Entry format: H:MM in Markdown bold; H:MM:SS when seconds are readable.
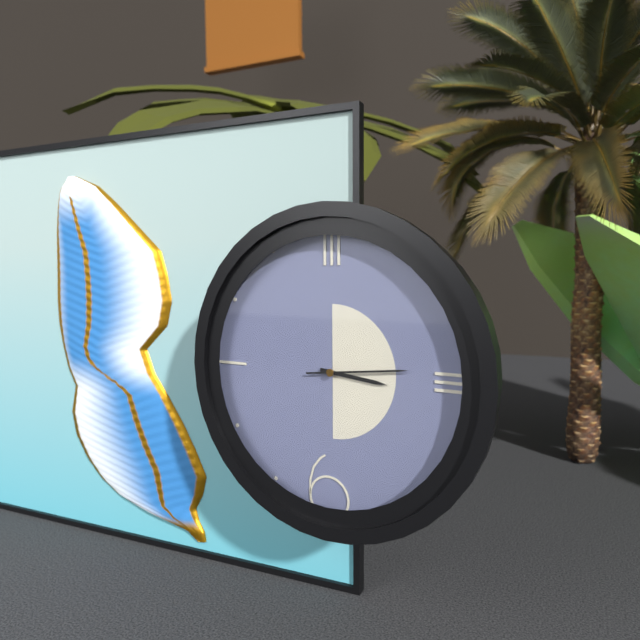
**3:14**
